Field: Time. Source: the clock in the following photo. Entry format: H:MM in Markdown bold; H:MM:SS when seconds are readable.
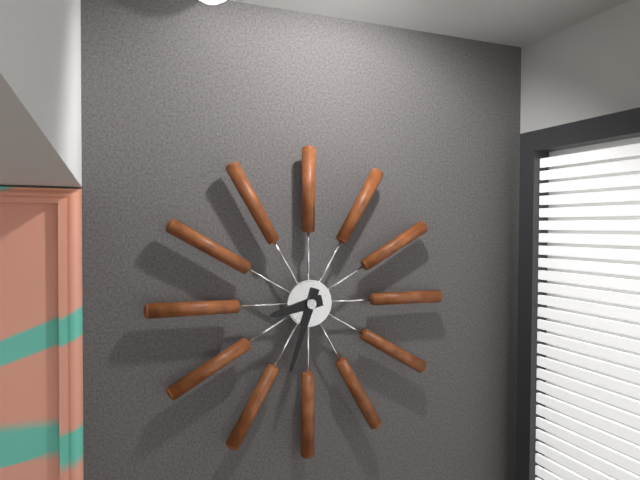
**8:33**
